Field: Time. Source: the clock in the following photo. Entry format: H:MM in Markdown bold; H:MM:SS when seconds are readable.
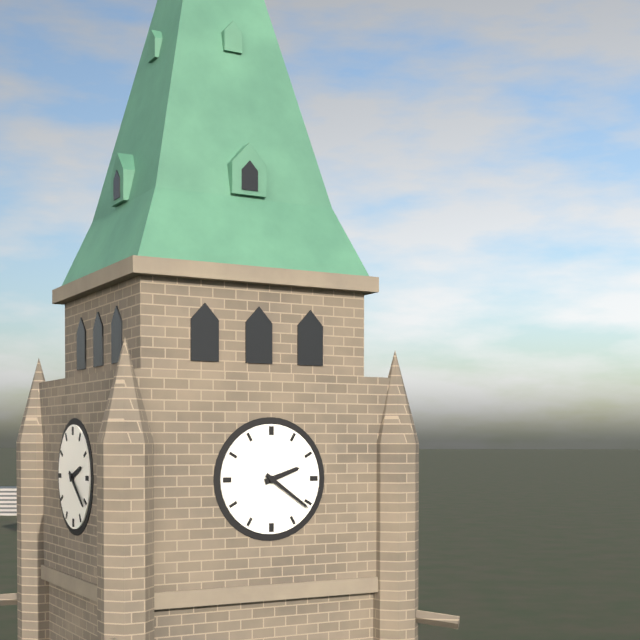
**2:21**
